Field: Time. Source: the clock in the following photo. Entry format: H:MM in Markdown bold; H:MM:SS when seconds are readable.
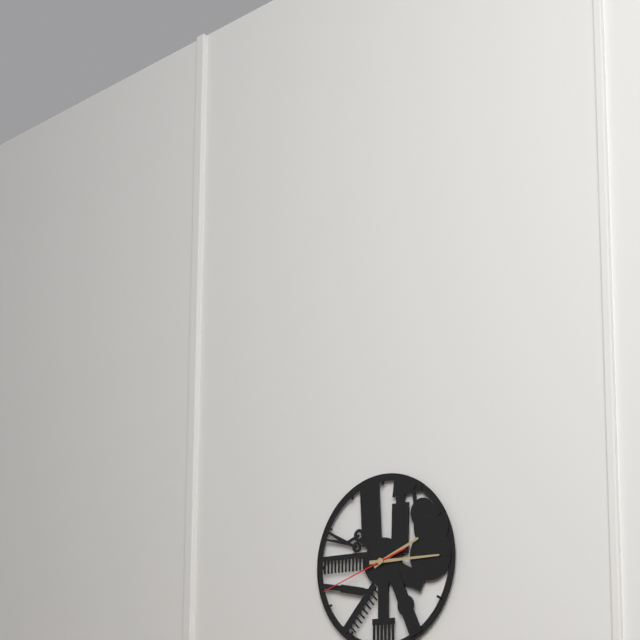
**2:15:42**
